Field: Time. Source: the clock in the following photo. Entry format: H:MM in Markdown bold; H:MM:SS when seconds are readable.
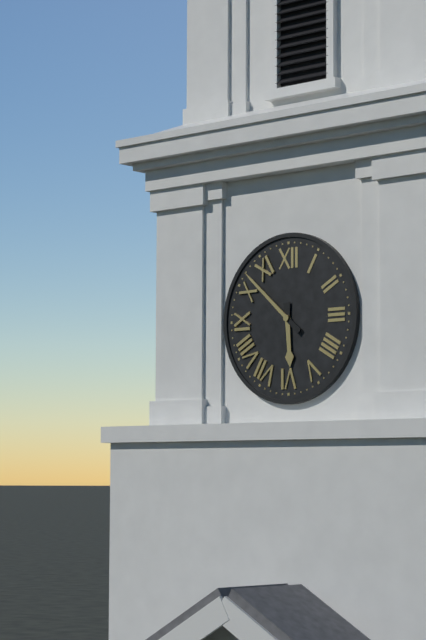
**5:52**
